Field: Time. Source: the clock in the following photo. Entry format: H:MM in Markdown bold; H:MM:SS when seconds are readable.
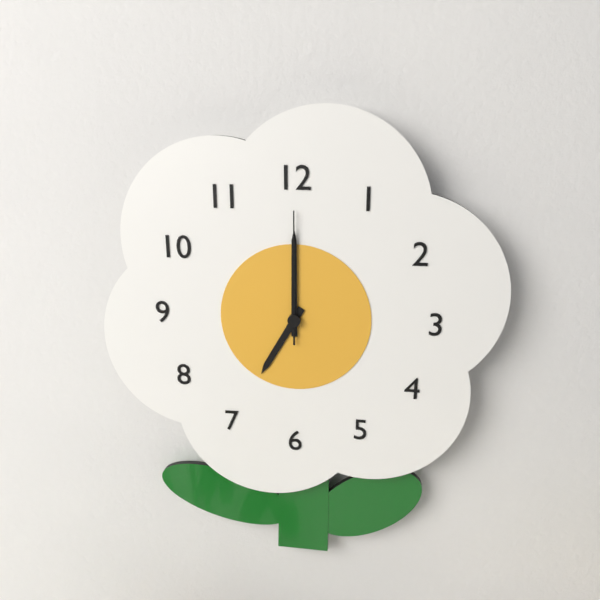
**7:00:00**
